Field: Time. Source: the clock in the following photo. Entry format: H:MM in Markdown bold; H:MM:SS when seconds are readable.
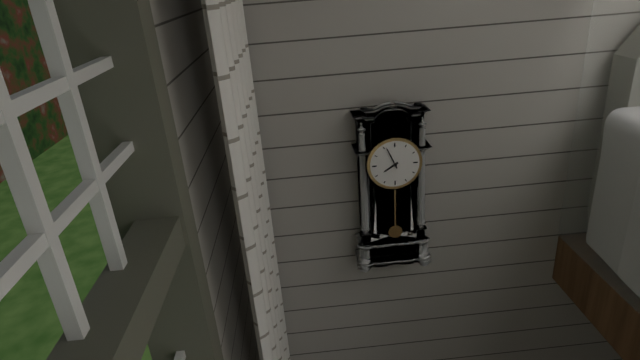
**7:56**
